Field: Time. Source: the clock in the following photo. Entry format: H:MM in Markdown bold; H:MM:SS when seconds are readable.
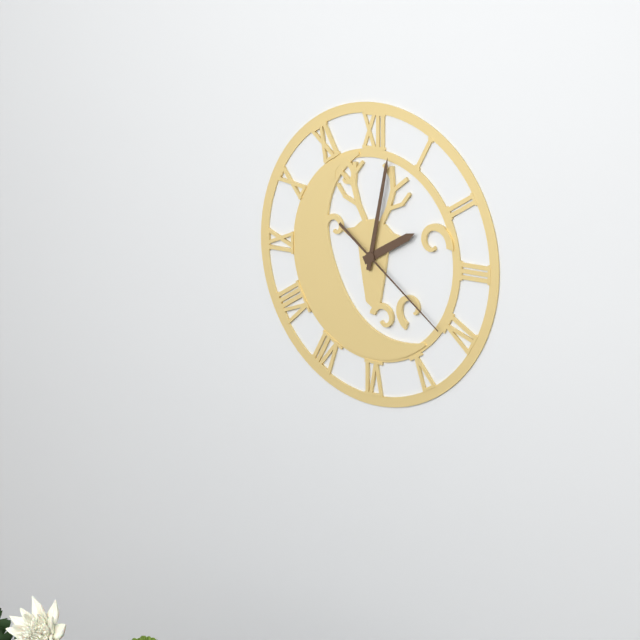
**2:02:21**
